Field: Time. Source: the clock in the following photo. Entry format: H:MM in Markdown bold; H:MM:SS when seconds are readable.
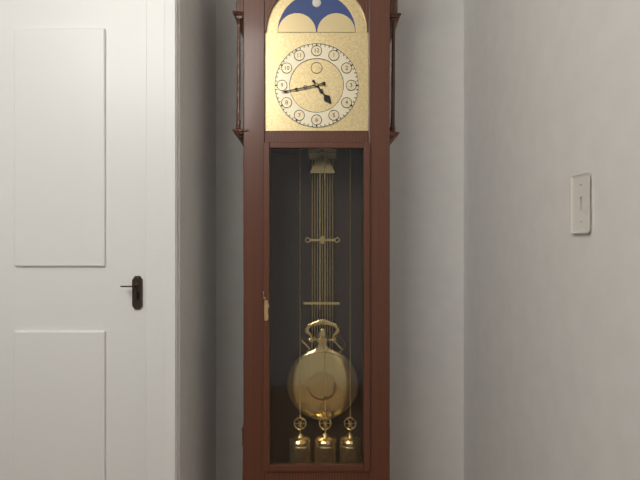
**4:43**
